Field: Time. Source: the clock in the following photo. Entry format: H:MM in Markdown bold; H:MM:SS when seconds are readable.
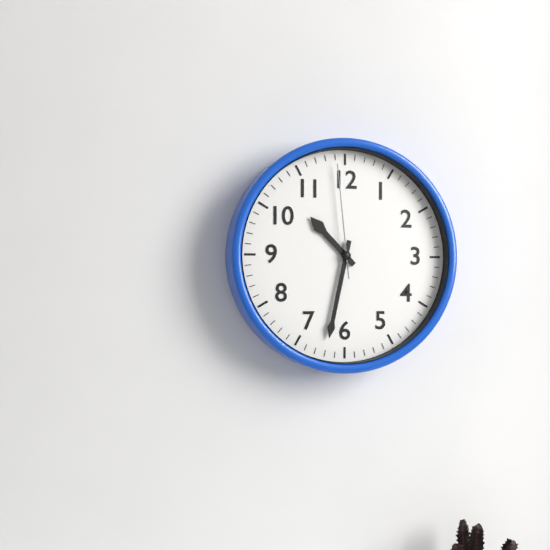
**10:32:59**
